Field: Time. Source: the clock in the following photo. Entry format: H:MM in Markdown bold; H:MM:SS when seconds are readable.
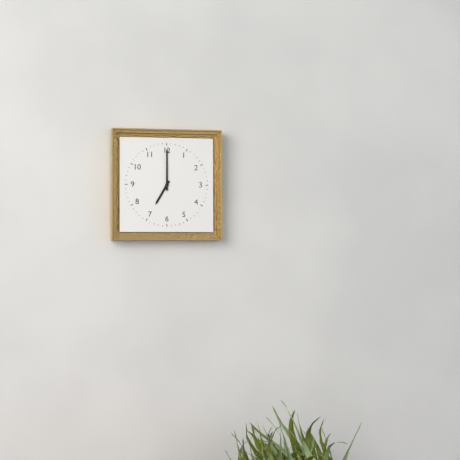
**7:00**
